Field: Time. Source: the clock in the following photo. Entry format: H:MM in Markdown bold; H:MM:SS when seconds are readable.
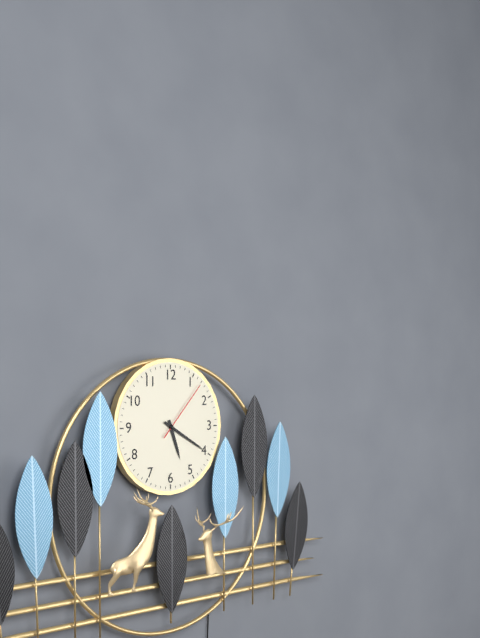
**5:20:07**
